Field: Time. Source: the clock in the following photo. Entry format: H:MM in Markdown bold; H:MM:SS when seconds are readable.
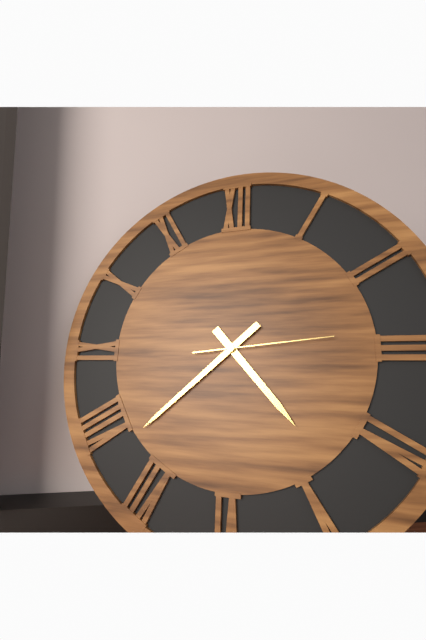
**4:38:14**
